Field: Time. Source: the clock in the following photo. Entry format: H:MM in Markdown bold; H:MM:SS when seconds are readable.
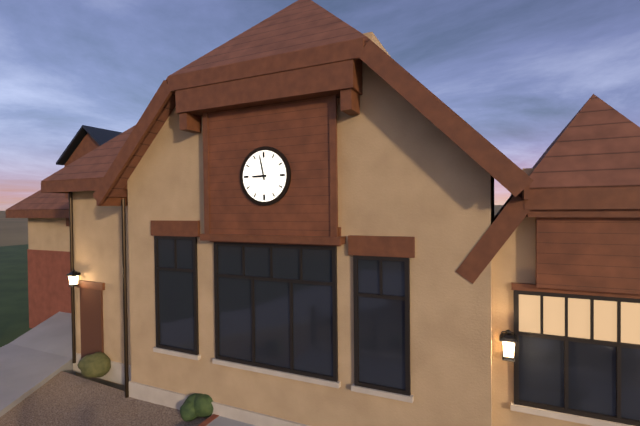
**8:58**
